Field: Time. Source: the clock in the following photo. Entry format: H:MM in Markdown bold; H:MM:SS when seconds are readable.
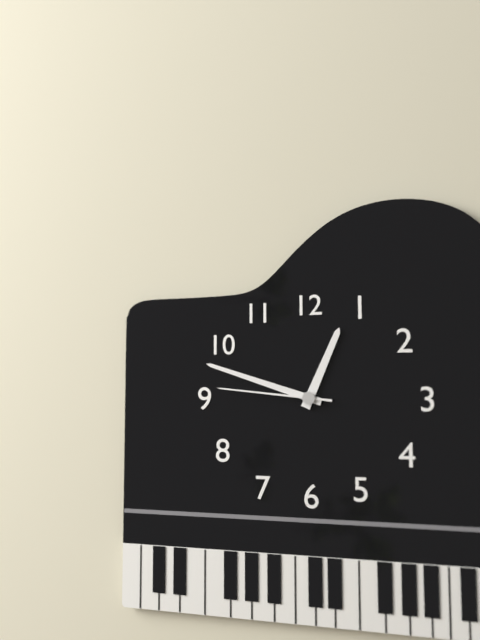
**12:48:46**
